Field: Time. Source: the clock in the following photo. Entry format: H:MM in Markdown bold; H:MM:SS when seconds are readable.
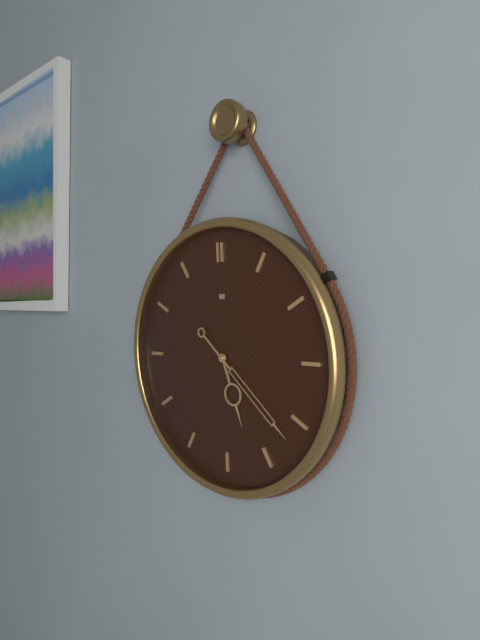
**5:22**
